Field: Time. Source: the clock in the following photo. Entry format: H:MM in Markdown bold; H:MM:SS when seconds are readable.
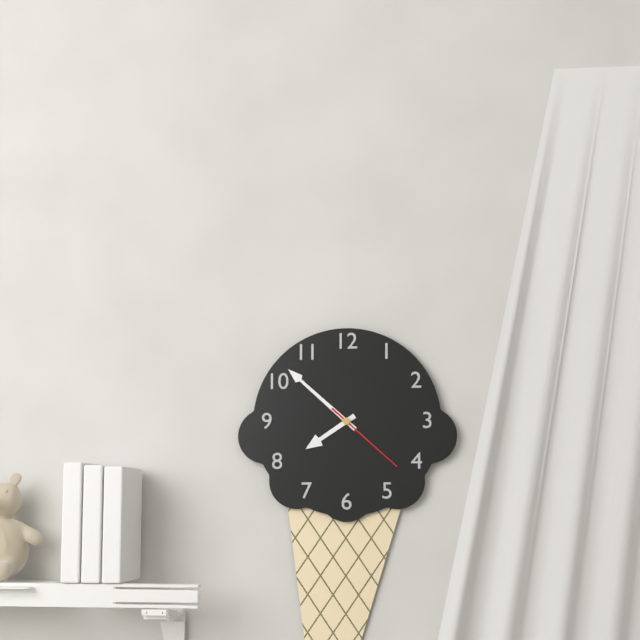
**7:52:22**
